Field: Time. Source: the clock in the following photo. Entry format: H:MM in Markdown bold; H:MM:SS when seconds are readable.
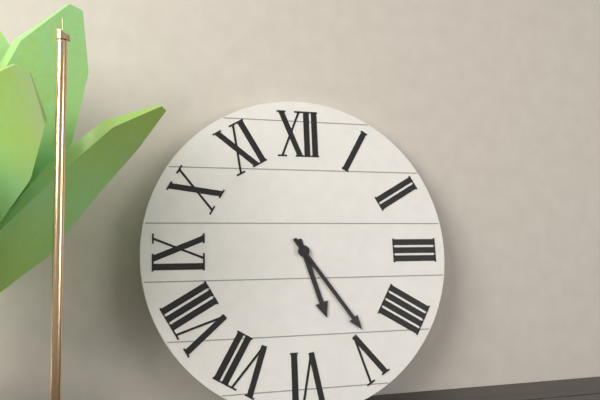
**5:24**
